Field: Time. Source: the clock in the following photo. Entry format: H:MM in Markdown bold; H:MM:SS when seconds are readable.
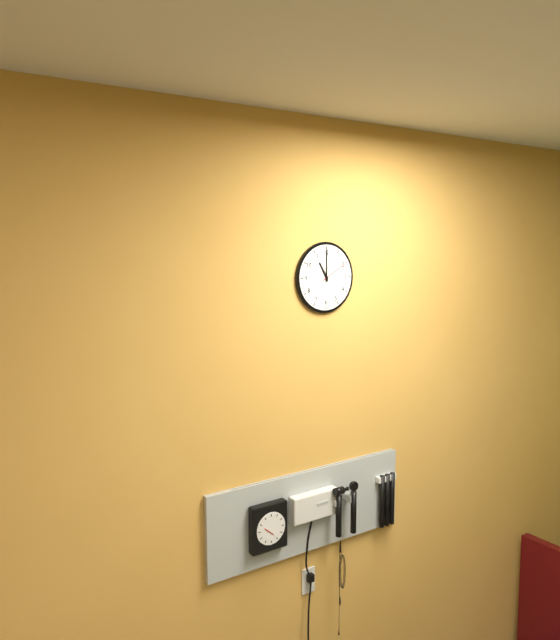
**11:00**
